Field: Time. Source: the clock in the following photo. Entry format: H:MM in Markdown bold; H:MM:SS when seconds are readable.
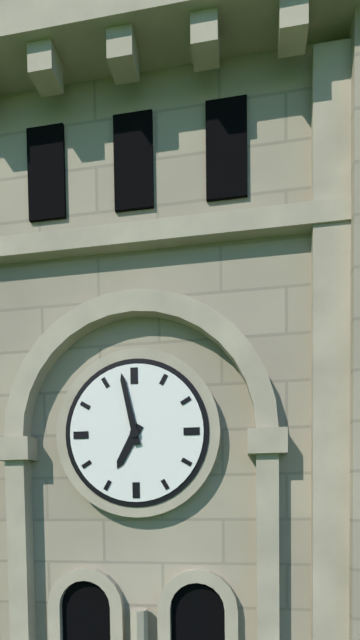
**6:58**
